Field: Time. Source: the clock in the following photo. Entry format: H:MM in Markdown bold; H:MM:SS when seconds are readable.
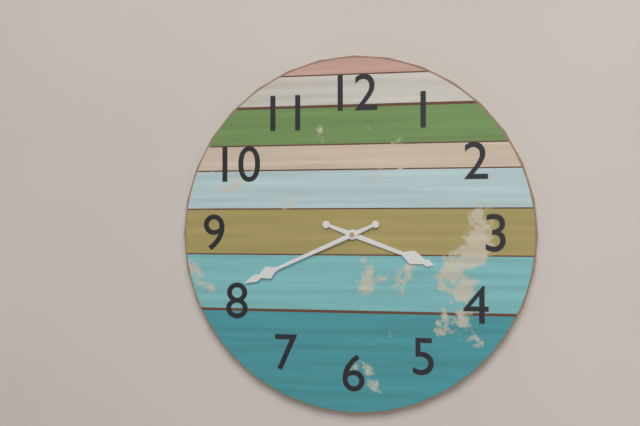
**3:41**
